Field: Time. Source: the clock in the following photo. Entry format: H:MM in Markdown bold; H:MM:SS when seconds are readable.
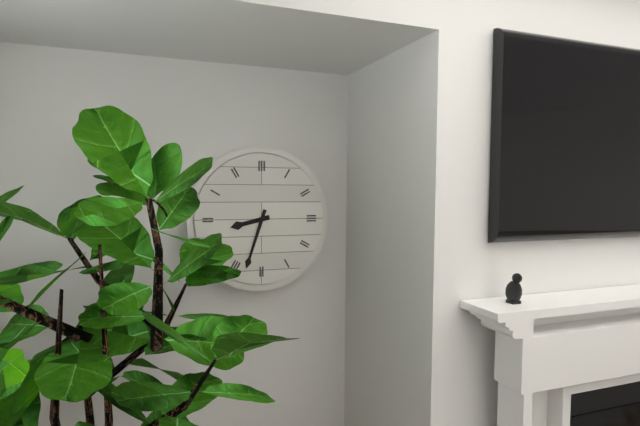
**8:33**
